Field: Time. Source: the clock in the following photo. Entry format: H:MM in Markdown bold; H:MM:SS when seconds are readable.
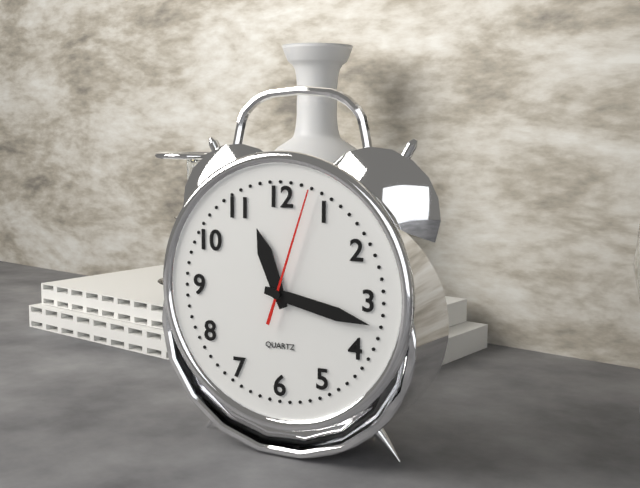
**11:17:03**
